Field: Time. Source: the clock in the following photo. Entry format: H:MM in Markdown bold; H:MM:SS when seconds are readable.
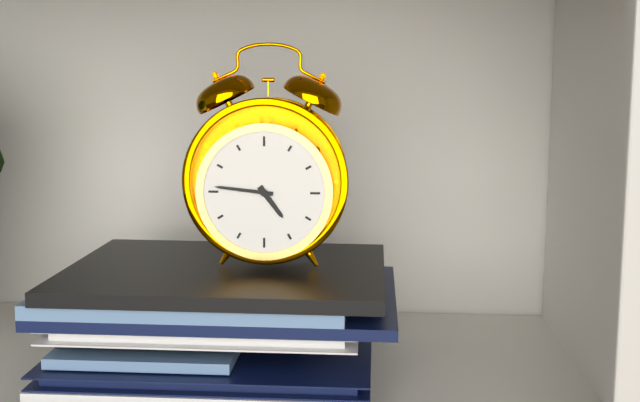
**4:46**
